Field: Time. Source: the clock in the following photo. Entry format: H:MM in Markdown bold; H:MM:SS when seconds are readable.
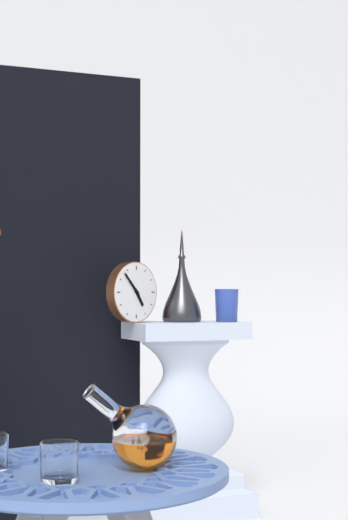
**4:53**
